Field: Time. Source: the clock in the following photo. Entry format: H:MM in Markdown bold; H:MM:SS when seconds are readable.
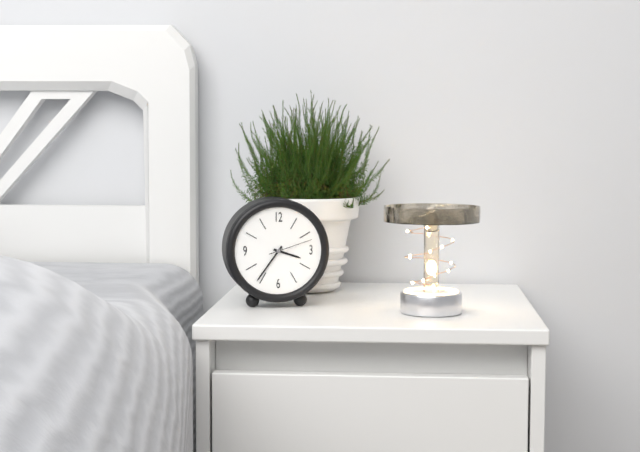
**3:36**
